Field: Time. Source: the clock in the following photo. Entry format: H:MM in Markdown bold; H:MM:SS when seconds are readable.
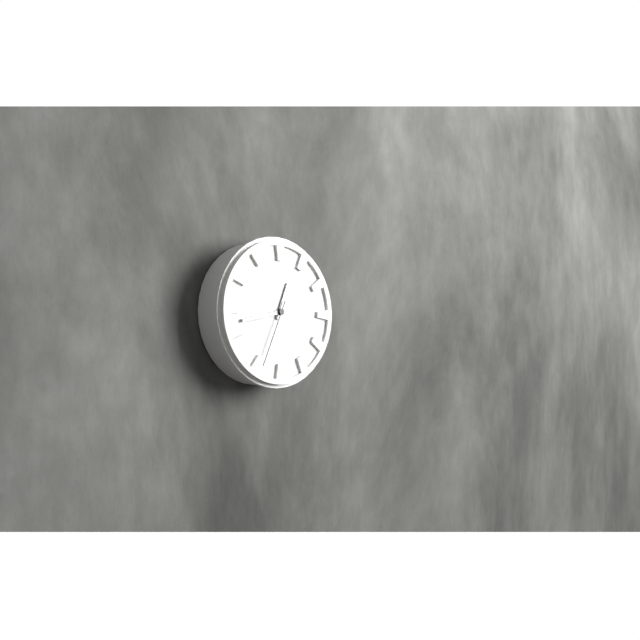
**12:43:34**
